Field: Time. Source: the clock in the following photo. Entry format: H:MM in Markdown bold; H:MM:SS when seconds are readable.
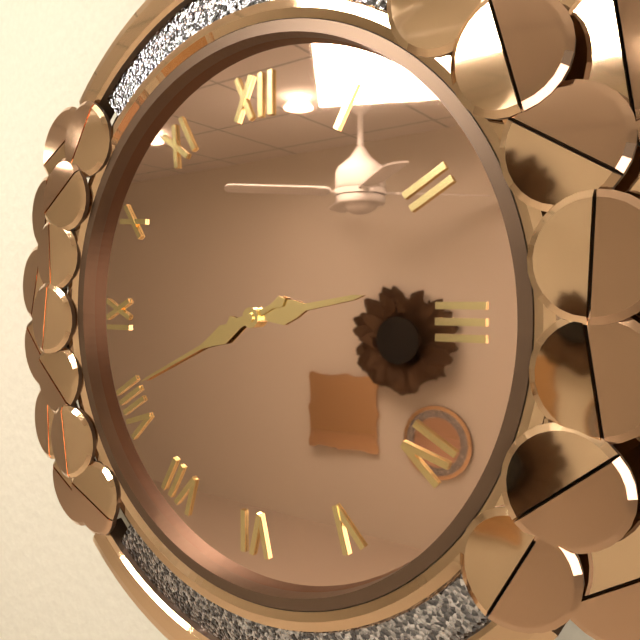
**2:41**
